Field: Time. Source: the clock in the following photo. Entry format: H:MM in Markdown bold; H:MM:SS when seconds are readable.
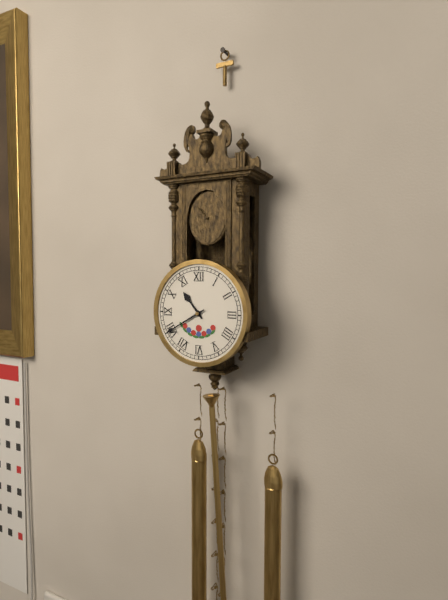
**10:40**
